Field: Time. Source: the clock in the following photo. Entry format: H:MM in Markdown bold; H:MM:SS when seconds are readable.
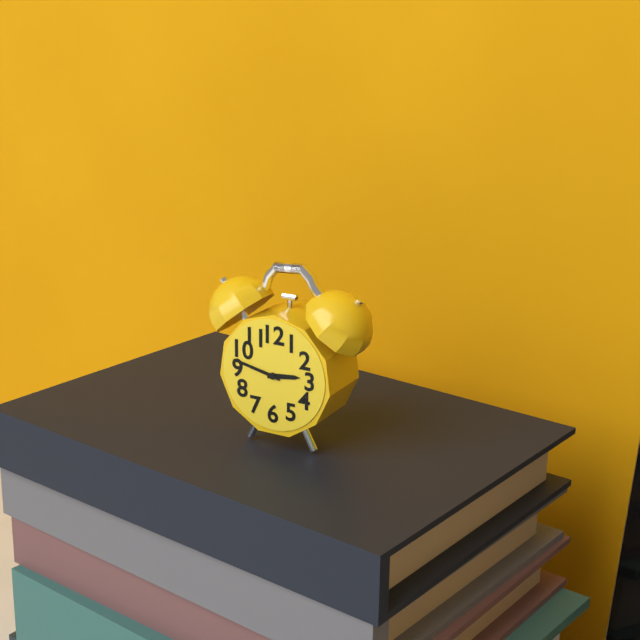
**2:47**
